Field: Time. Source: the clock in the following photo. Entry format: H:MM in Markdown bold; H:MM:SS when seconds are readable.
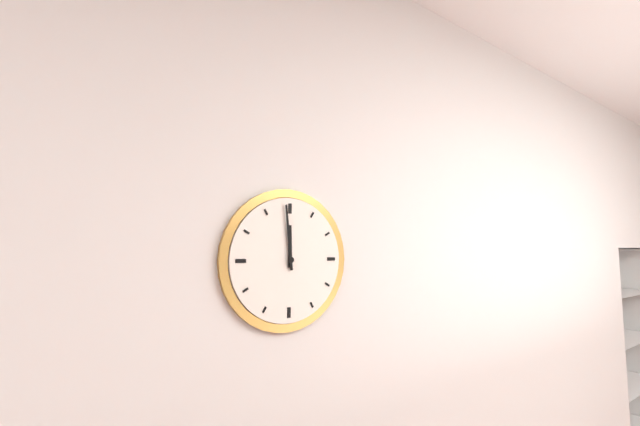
**11:59**
